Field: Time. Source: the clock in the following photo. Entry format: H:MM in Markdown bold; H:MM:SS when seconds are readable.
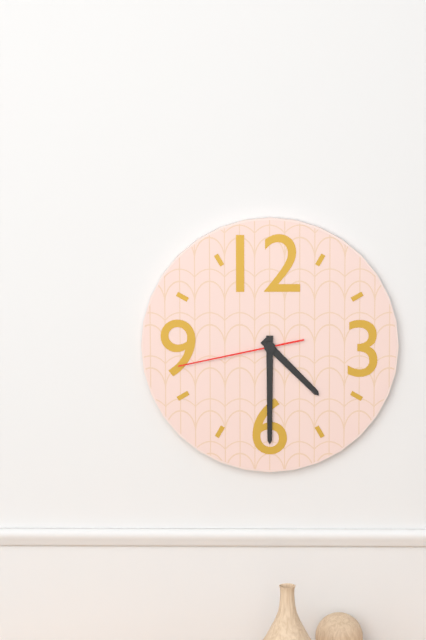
**4:30:43**
